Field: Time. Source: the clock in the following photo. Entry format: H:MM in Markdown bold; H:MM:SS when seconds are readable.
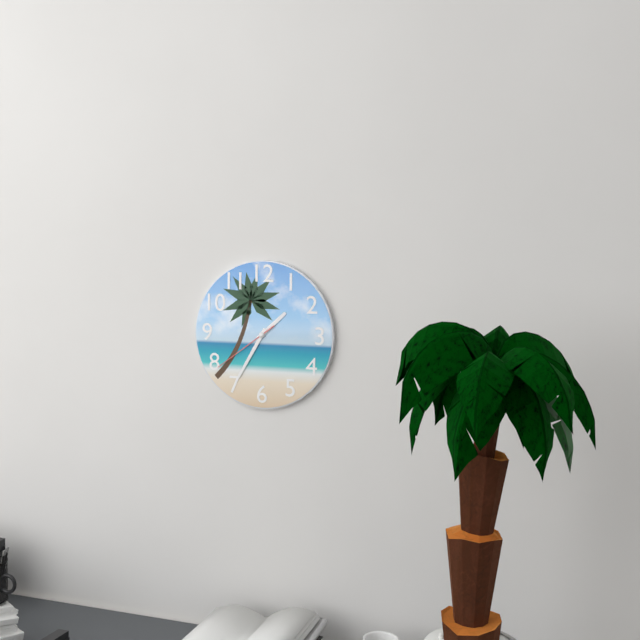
**1:35:39**
